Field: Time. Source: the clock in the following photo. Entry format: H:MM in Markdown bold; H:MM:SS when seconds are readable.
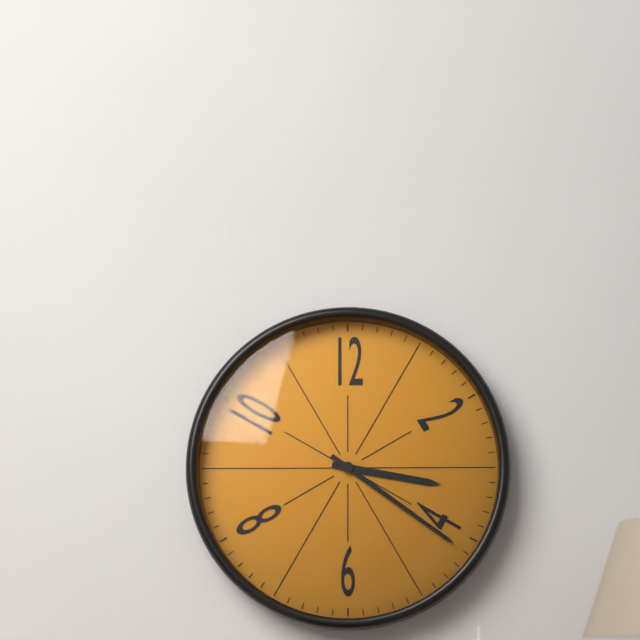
**3:21**
